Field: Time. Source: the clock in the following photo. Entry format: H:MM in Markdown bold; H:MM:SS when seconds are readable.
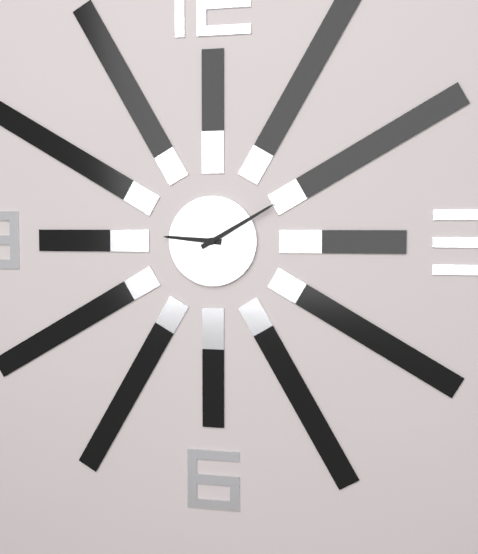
**9:10**
